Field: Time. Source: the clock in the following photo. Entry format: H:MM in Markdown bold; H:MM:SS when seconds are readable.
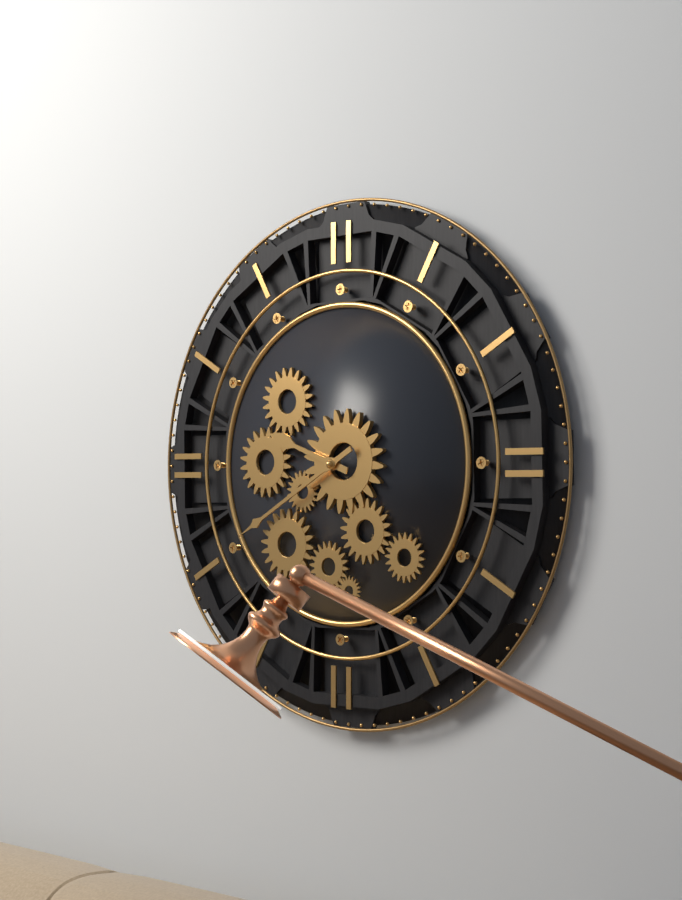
**9:40**
